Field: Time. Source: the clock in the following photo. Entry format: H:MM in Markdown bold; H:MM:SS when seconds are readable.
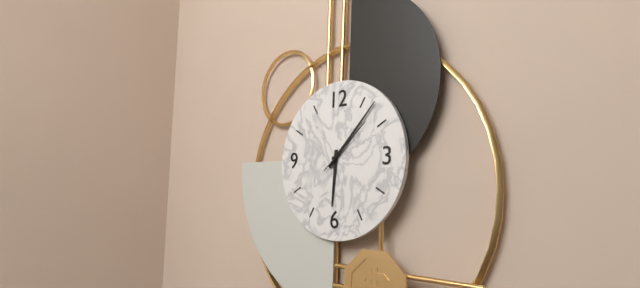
**6:07:08**
